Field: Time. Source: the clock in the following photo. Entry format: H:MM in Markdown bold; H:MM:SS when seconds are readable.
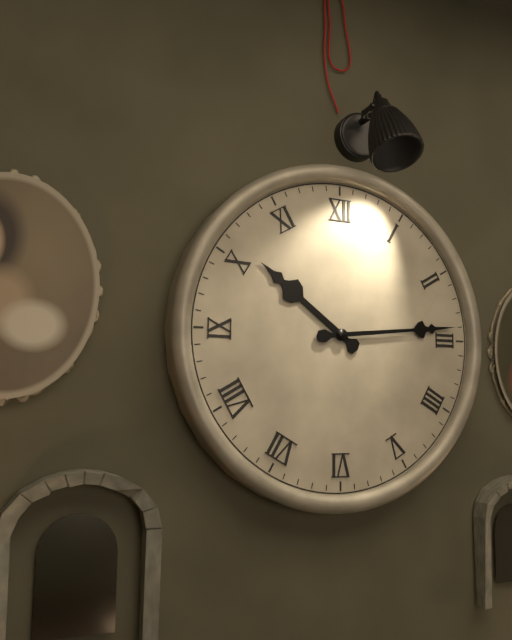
**10:14**
